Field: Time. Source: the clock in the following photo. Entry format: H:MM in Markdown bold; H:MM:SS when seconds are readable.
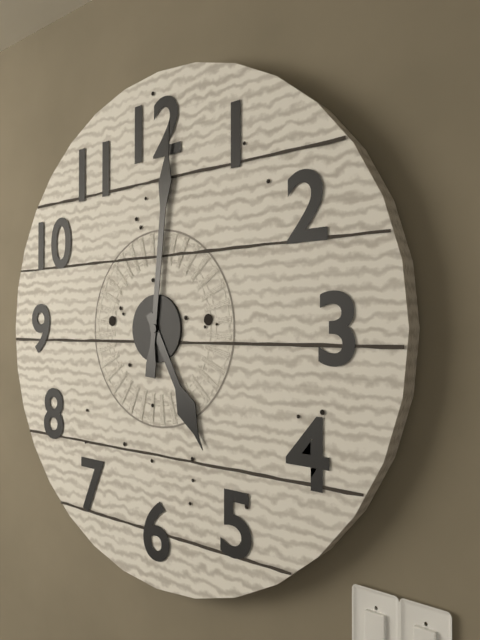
**5:01**
